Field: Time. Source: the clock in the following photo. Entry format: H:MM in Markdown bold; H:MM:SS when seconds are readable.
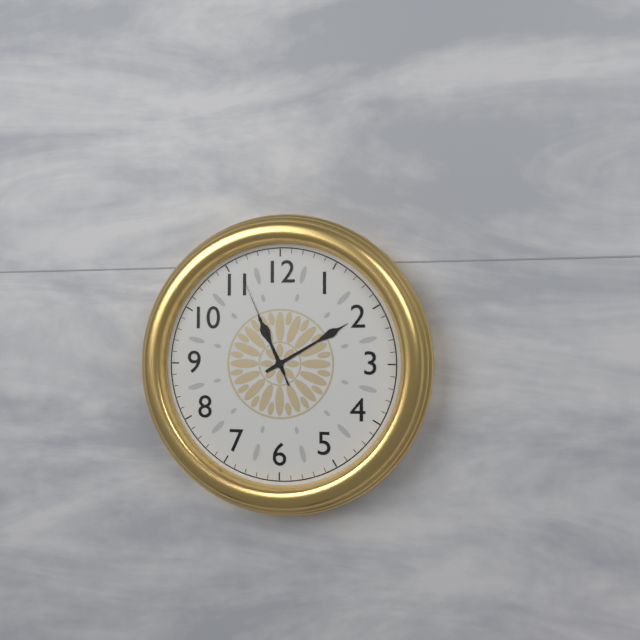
**11:10:56**
